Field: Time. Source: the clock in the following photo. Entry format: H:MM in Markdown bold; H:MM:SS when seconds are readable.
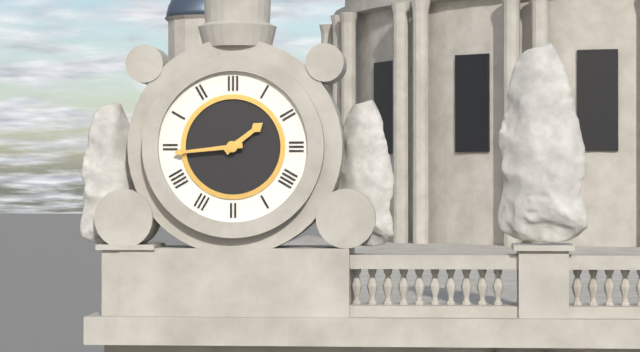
**1:44**
